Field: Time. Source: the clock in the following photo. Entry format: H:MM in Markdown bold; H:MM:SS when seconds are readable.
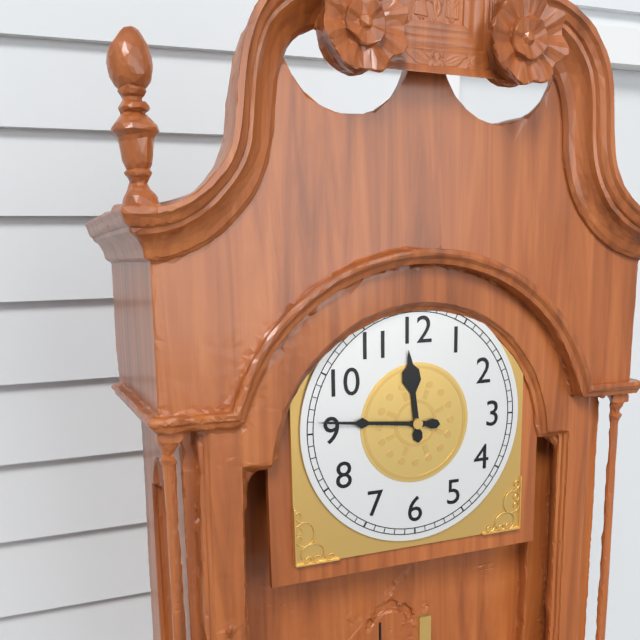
**11:46**
